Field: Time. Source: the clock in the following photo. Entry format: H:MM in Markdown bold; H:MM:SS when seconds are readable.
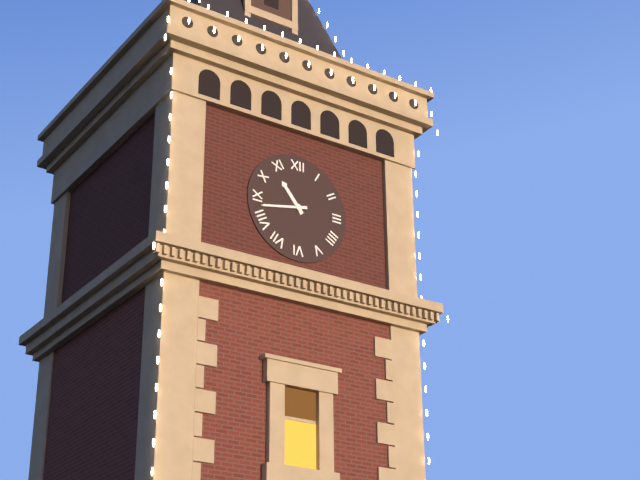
**10:43**
